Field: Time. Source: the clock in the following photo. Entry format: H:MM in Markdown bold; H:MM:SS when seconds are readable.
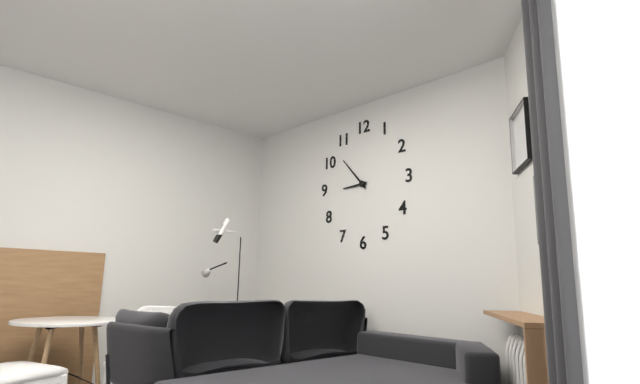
**8:53**
